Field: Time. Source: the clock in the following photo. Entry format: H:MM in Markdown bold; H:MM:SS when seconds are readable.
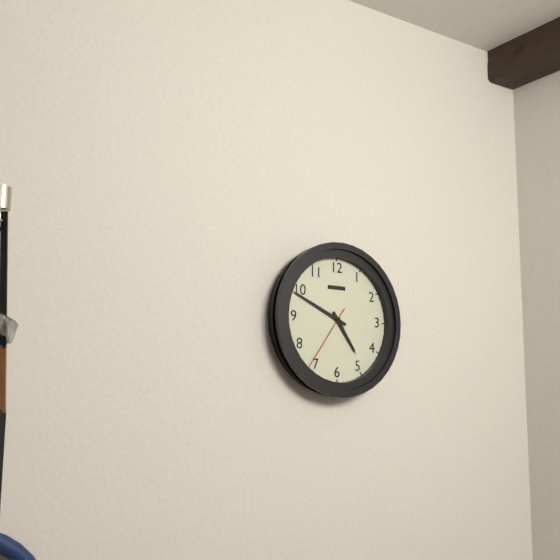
**4:49:36**
